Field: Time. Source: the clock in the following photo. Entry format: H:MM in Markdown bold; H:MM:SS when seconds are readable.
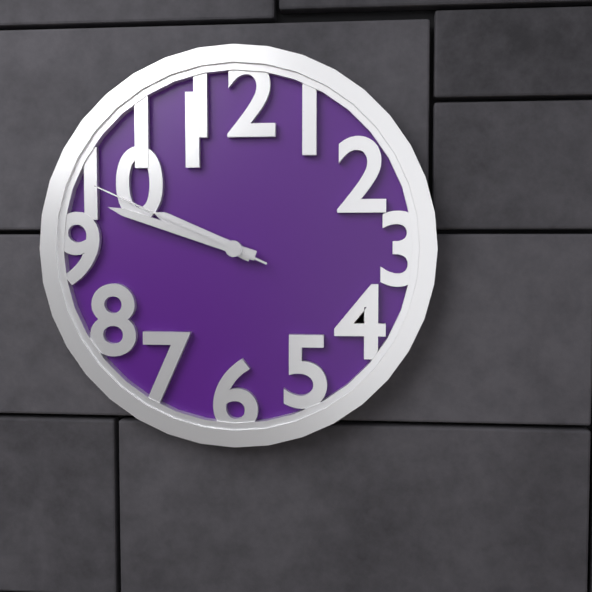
**9:48:49**
